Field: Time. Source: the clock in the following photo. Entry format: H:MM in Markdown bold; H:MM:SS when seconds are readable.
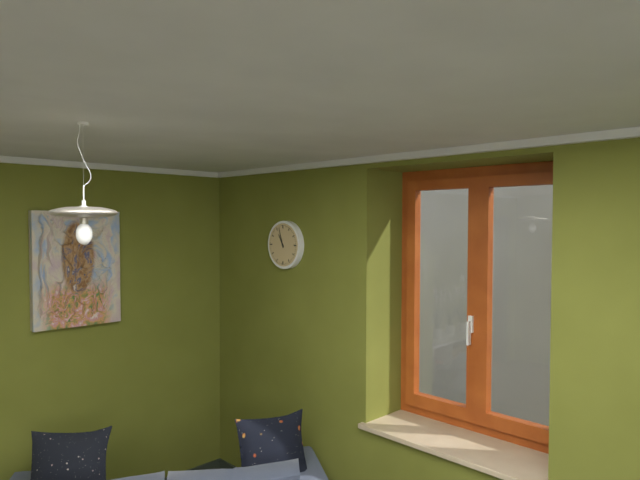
**10:57**
